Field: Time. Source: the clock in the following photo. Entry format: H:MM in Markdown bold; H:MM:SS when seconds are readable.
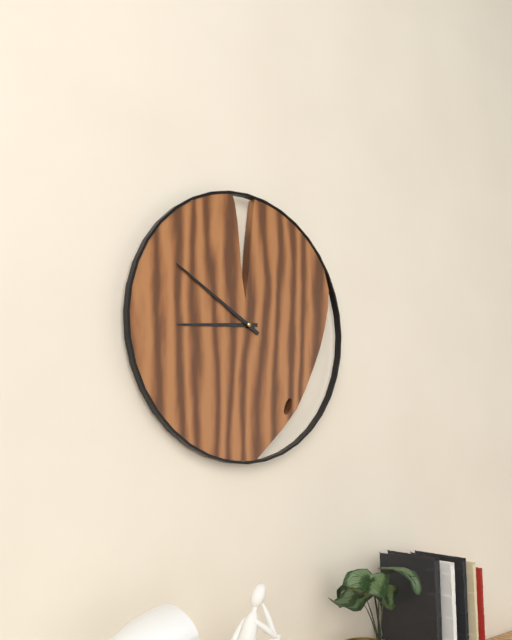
**8:50**
